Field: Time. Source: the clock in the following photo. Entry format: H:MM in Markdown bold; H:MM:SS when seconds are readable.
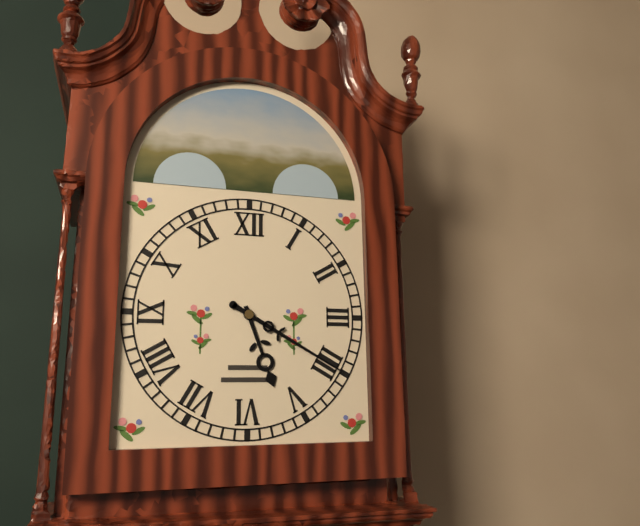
**5:20**
